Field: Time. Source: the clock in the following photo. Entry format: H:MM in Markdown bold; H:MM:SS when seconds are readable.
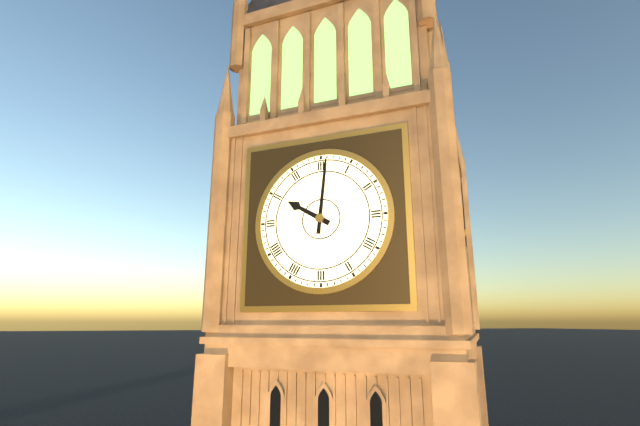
**10:01**
